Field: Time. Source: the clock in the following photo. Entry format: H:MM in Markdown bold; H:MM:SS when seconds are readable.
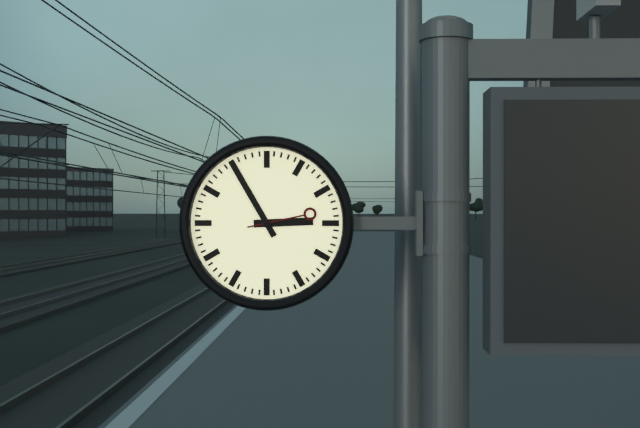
**2:55:13**
